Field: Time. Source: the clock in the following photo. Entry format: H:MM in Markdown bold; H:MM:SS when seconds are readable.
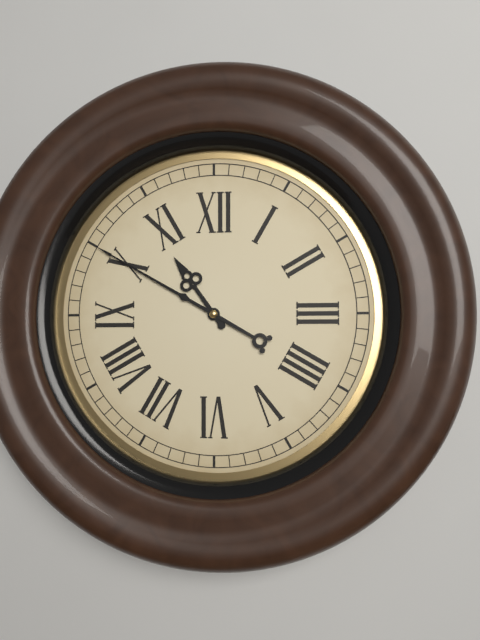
**10:50**
